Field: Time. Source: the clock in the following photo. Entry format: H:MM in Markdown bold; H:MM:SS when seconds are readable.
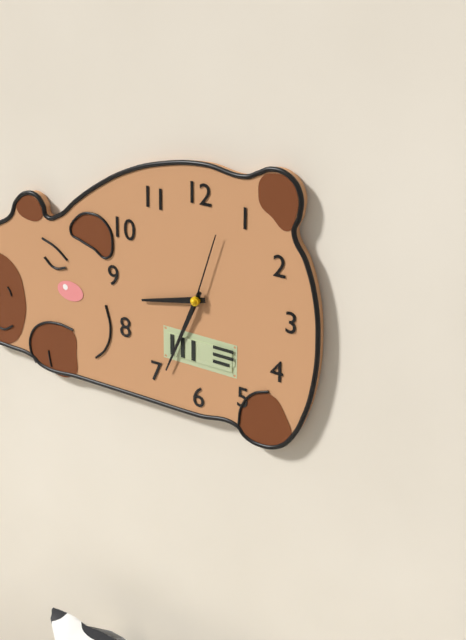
**8:34:03**
